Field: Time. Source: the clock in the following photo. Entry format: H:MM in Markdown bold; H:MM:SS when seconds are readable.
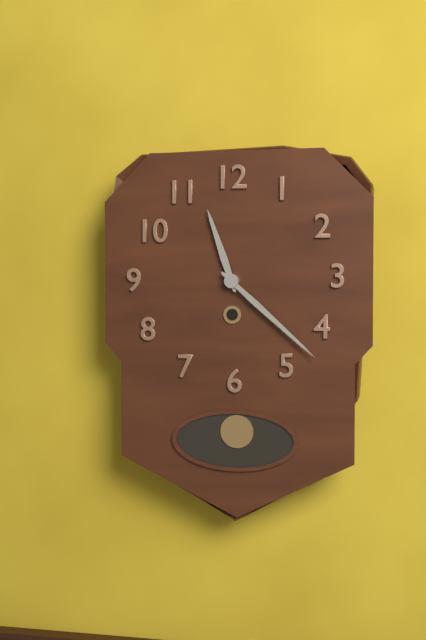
**11:22**
